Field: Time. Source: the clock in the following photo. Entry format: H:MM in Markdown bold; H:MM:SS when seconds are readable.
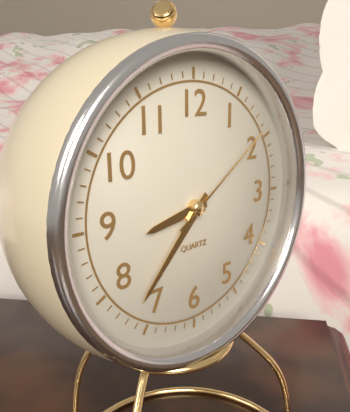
**8:37:09**
